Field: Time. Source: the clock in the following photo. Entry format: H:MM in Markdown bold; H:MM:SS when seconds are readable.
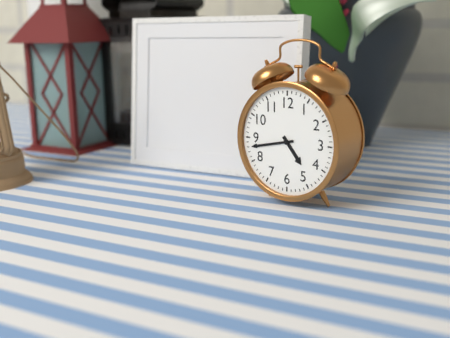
**4:43**
